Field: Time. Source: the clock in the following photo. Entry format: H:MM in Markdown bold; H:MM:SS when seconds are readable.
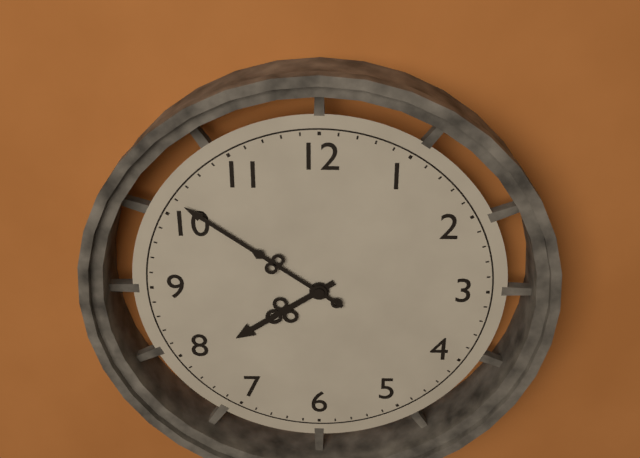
**7:51**
